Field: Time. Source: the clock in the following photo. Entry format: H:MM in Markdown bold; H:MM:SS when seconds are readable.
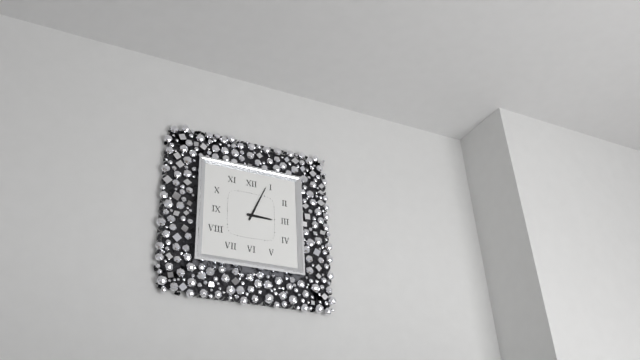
**3:04**
